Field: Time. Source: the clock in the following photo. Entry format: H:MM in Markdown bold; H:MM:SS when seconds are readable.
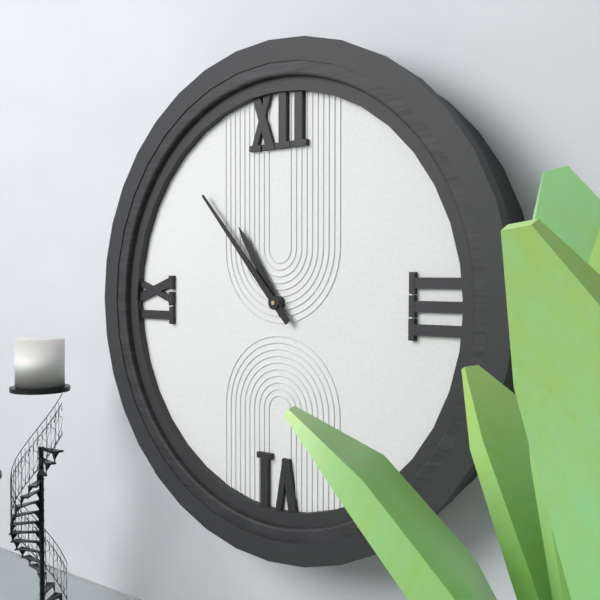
**10:53**
